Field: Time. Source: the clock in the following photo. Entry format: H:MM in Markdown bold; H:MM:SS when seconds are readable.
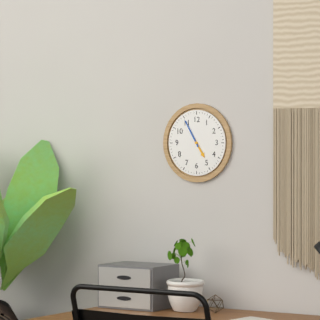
**4:55**
